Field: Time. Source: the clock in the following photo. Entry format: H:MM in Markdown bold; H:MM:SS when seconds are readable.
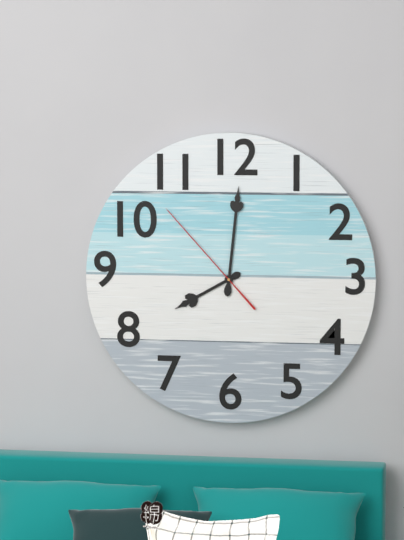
**8:01:53**
